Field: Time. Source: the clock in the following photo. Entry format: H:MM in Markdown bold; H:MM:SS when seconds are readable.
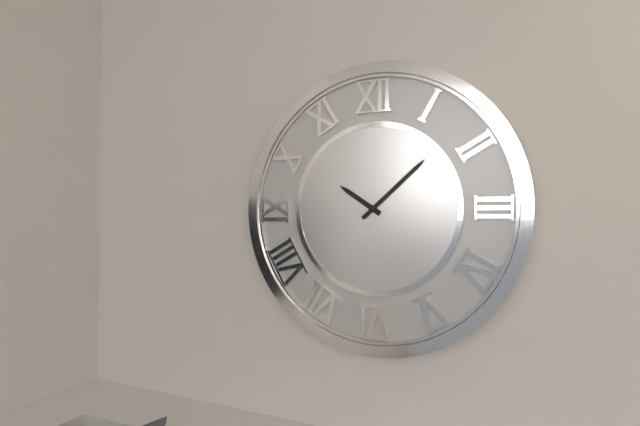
**10:08**
